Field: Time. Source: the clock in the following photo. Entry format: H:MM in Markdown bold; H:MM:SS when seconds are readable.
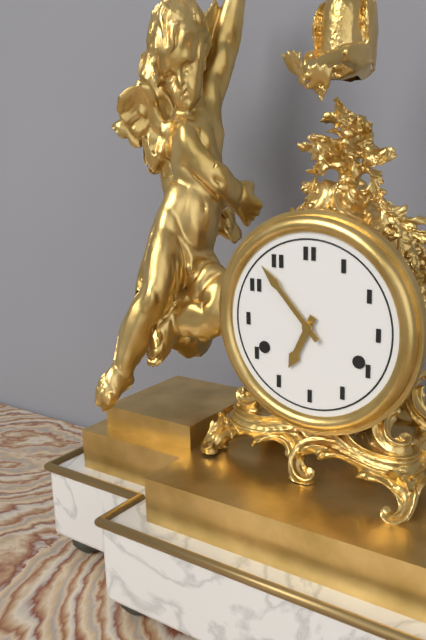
**6:53**
